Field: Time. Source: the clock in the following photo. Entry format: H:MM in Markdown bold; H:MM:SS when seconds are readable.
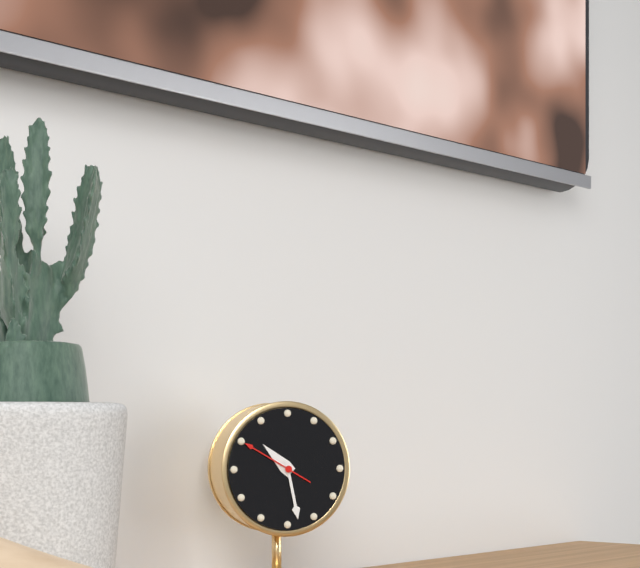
**10:28:50**
